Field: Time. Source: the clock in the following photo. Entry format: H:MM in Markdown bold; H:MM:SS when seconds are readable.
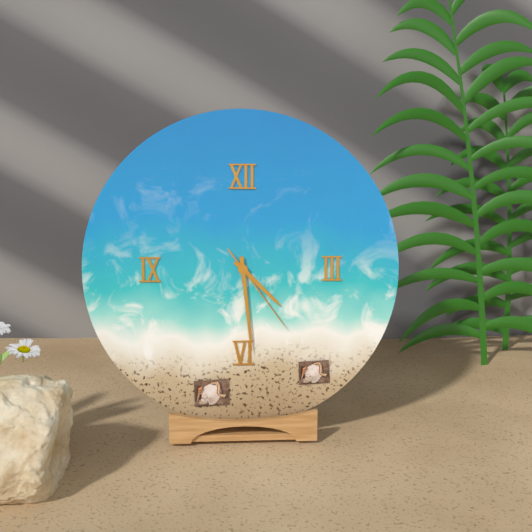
**4:29:24**
